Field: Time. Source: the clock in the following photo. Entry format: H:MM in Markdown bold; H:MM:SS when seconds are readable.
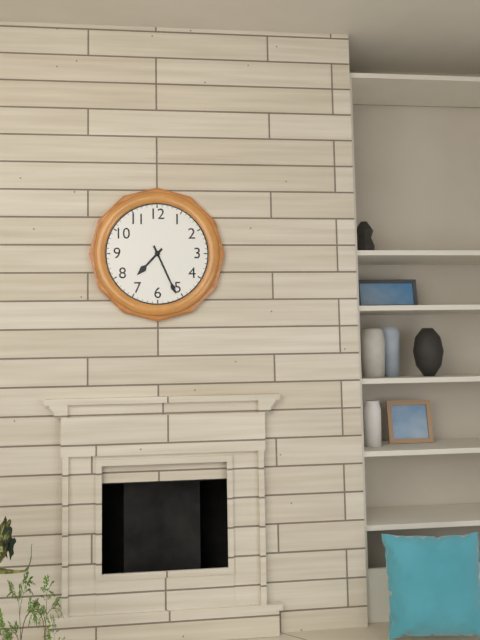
**7:26**
